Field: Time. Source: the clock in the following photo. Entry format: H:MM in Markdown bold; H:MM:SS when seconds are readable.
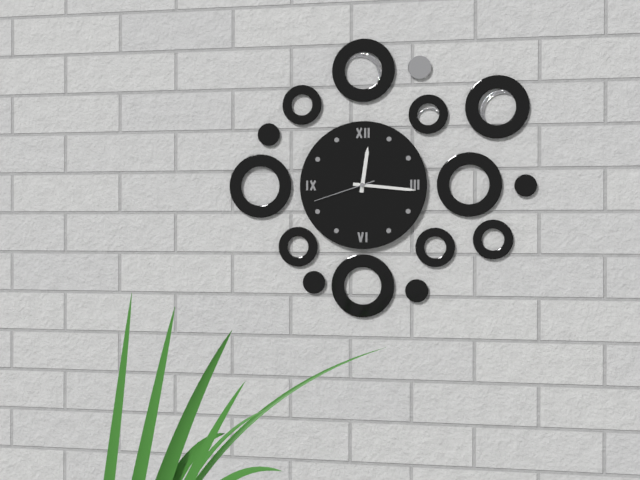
**12:16:42**
